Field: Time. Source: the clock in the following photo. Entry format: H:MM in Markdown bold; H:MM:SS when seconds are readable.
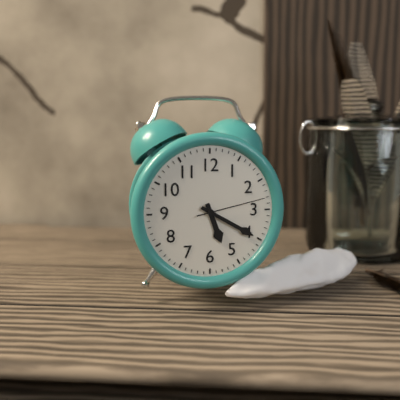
**5:20:13**
